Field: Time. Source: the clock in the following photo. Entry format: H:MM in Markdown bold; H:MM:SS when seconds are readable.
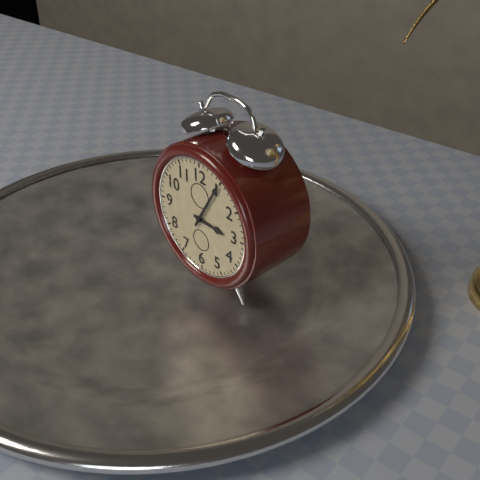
**3:05**
